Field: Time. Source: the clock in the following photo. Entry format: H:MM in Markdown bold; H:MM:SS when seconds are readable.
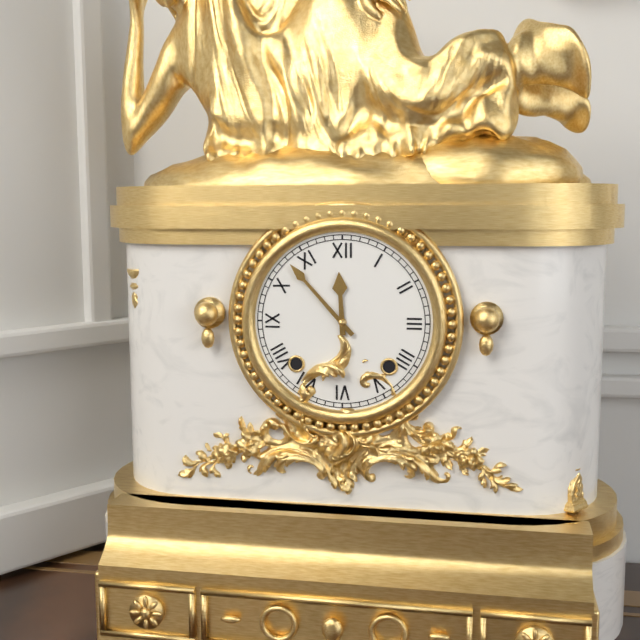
**11:53**
